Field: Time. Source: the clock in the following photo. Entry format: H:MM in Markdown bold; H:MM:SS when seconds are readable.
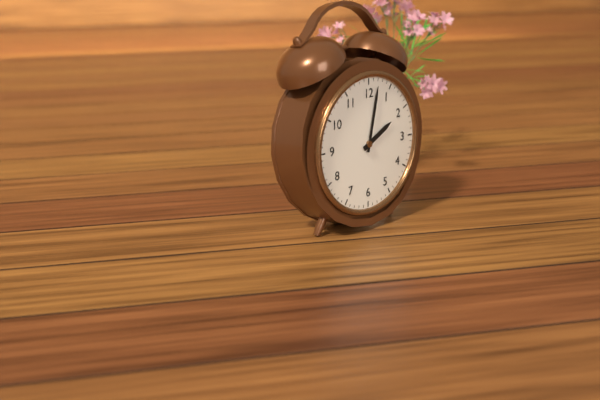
**2:02**
